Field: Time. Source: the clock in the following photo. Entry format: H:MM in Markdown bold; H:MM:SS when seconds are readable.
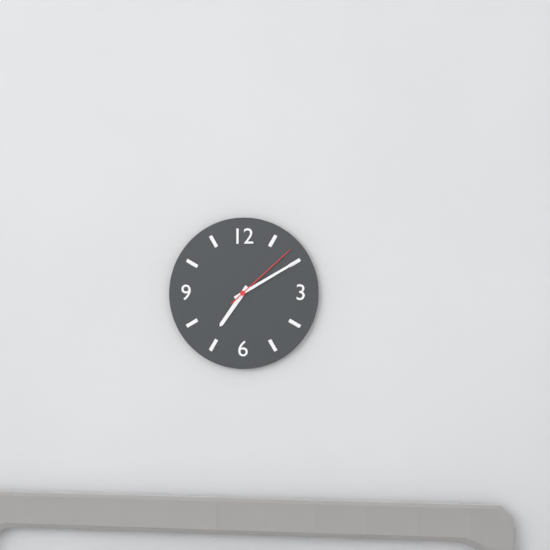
**7:10:08**
